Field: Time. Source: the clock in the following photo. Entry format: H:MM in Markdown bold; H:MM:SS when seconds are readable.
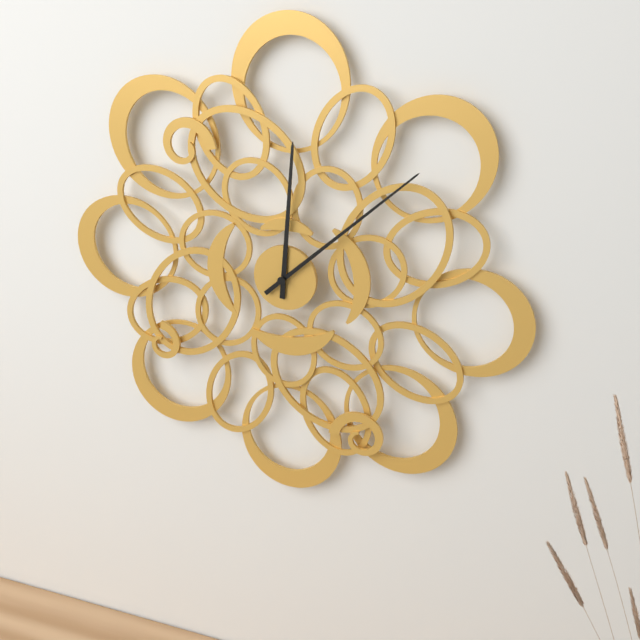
**12:08**
